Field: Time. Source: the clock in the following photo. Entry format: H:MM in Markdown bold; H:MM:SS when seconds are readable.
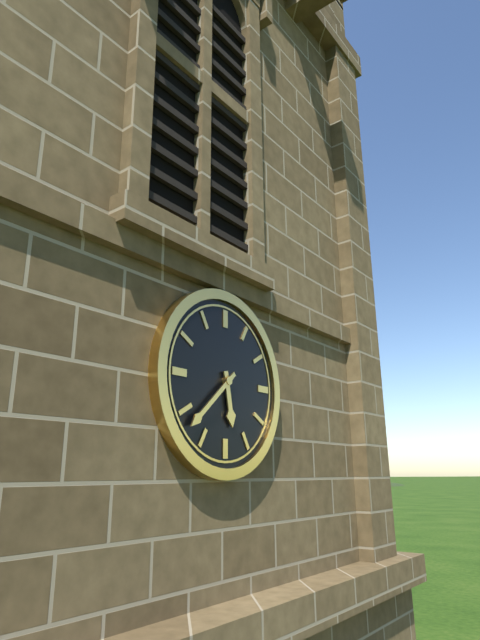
**5:38**
